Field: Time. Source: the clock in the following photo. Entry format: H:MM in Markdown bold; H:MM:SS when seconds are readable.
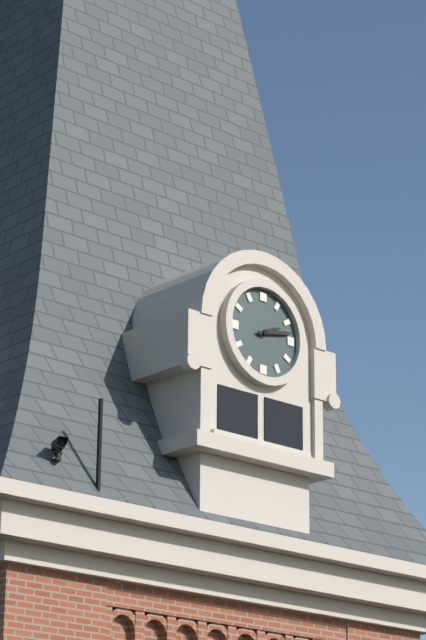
**2:13**
